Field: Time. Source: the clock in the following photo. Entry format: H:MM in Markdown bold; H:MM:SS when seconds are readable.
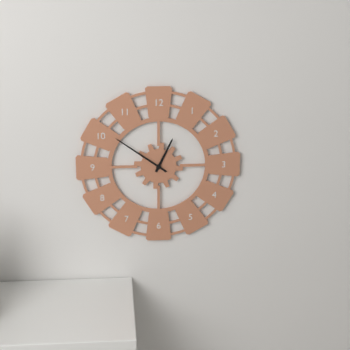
**12:51**
